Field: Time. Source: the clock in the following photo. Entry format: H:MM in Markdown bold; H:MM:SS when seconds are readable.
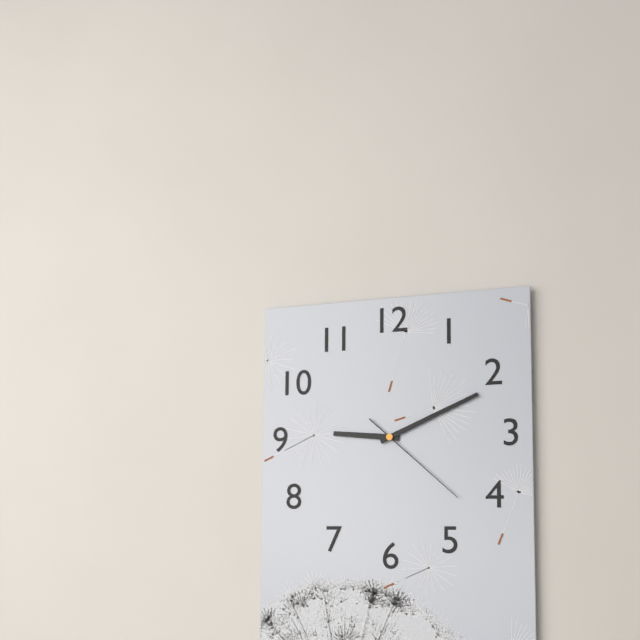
**9:11:22**
